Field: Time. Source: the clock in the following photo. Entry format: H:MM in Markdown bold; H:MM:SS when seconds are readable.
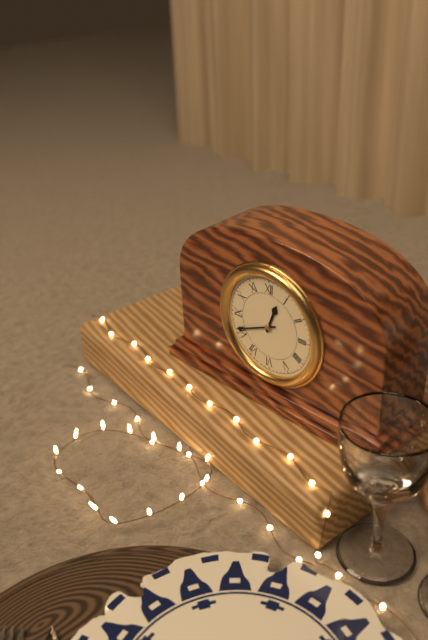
**12:41**
